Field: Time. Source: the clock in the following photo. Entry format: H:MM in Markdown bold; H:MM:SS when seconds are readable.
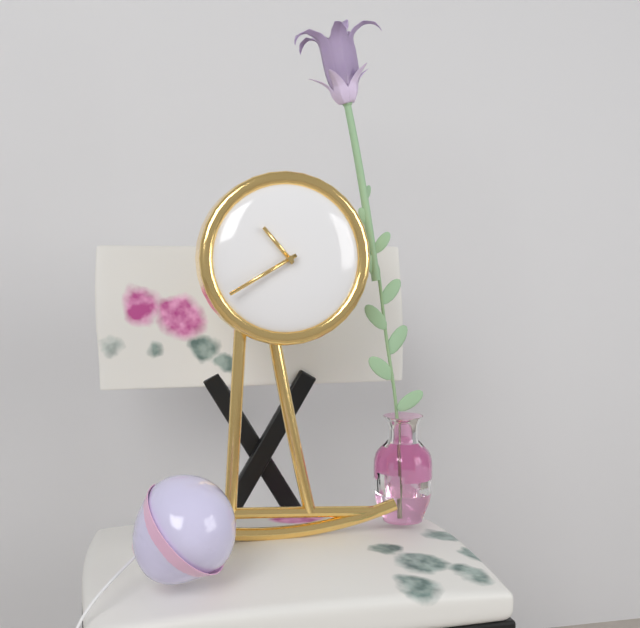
**10:40**
